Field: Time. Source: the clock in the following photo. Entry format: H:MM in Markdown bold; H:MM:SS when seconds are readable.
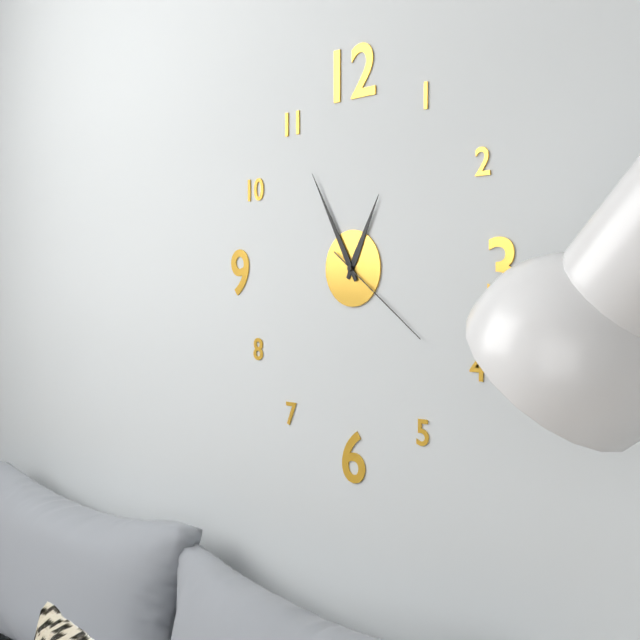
**12:55:21**
